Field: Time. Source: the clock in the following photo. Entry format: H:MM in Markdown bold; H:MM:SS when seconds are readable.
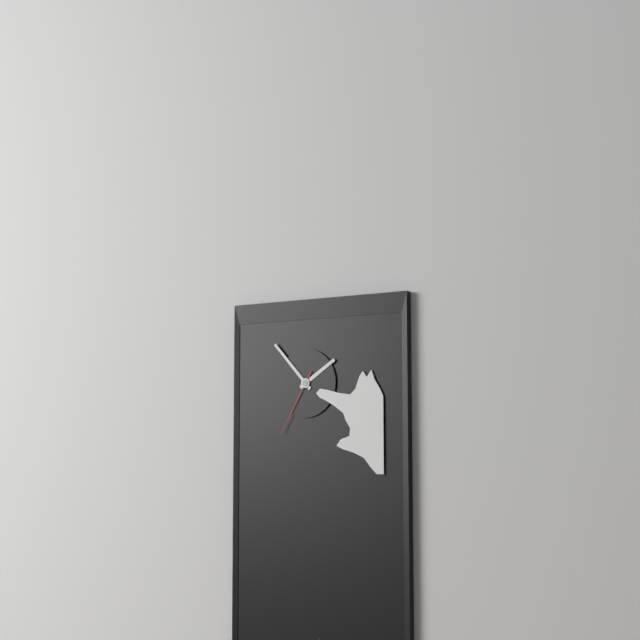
**1:53:35**
